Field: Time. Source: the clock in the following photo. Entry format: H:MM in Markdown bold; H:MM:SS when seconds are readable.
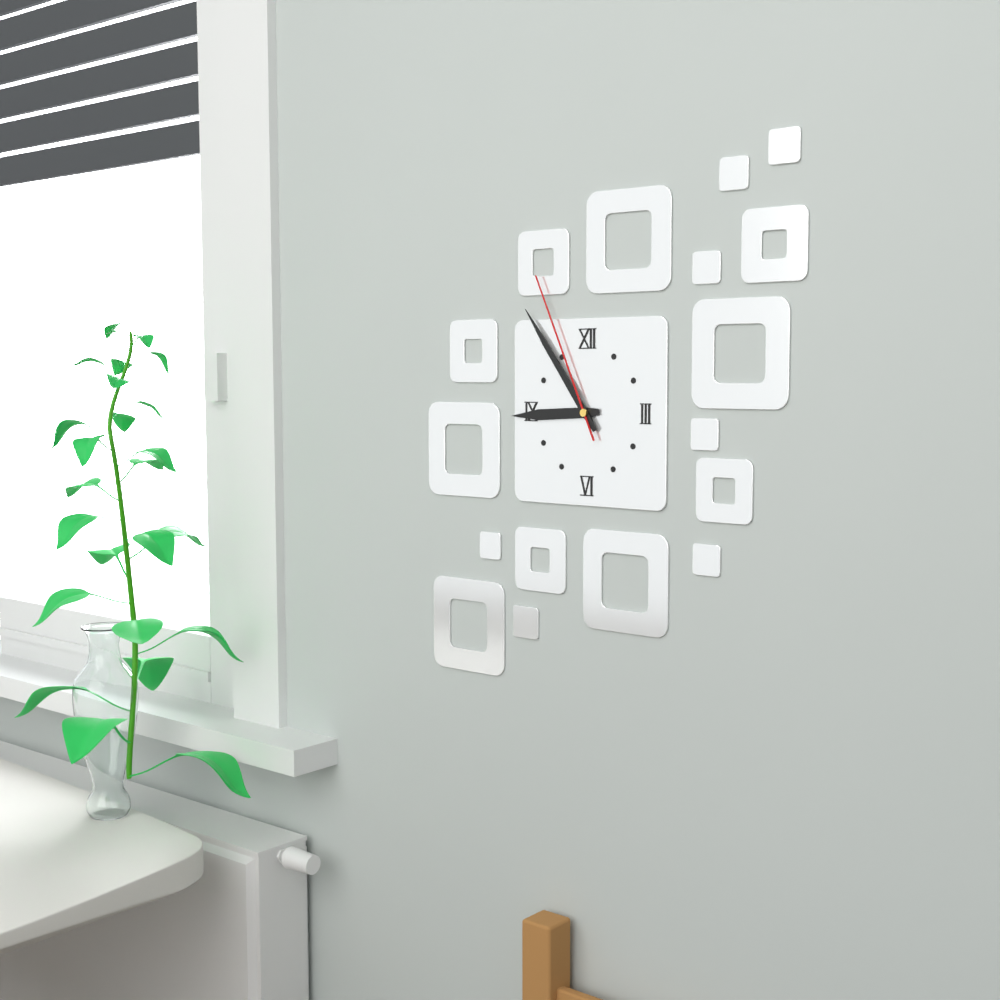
**8:54:56**
